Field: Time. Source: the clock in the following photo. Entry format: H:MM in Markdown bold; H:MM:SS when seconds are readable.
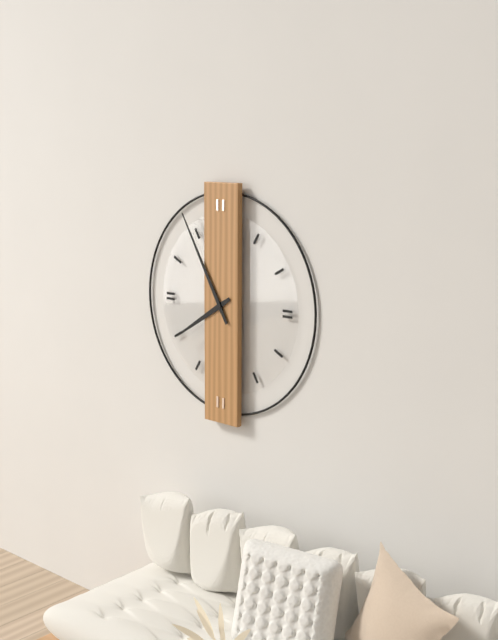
**7:55**
